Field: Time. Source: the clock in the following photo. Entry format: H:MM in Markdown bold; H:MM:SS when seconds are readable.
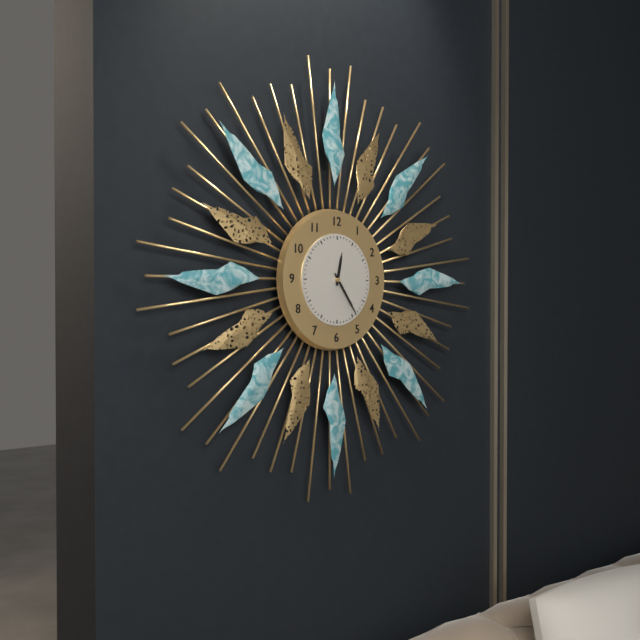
**12:24**
